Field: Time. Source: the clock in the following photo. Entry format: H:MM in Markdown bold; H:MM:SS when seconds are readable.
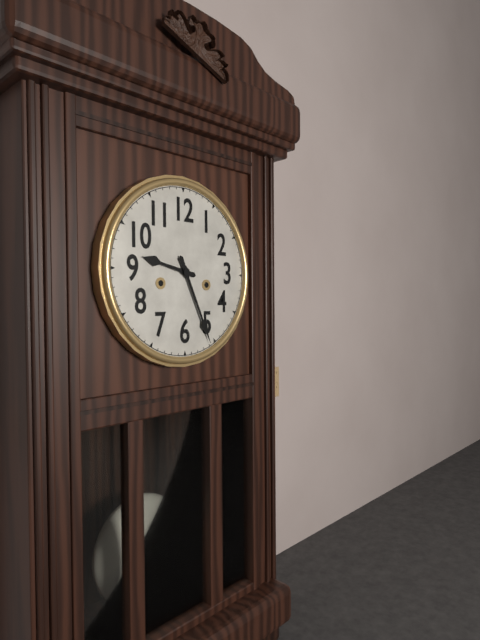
**9:26**
